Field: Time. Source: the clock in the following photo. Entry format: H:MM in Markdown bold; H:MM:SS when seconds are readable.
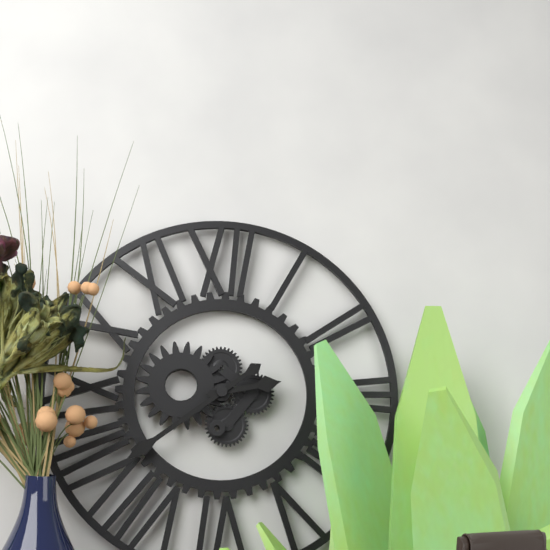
**2:39**
